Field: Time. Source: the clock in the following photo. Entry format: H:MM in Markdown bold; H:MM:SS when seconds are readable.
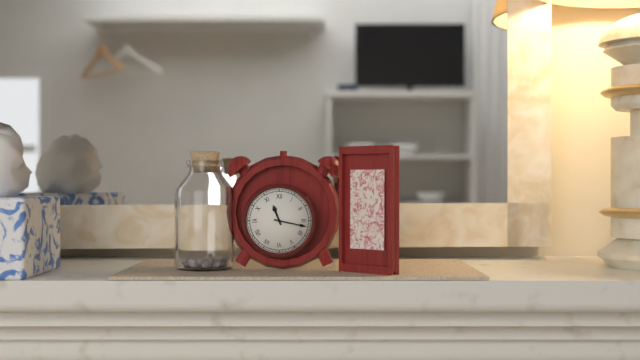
**11:17**
